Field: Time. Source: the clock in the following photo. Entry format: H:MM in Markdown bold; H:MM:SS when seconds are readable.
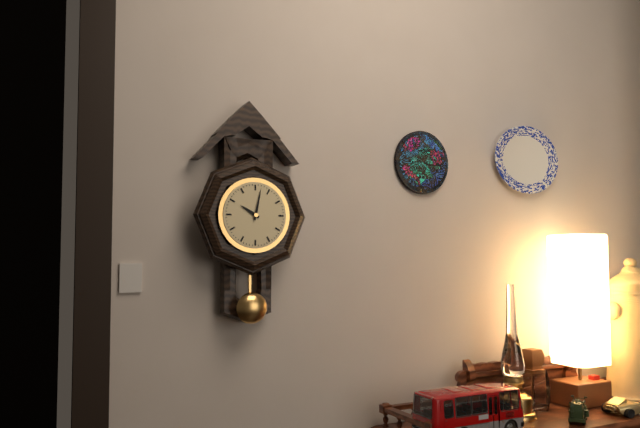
**10:02**
